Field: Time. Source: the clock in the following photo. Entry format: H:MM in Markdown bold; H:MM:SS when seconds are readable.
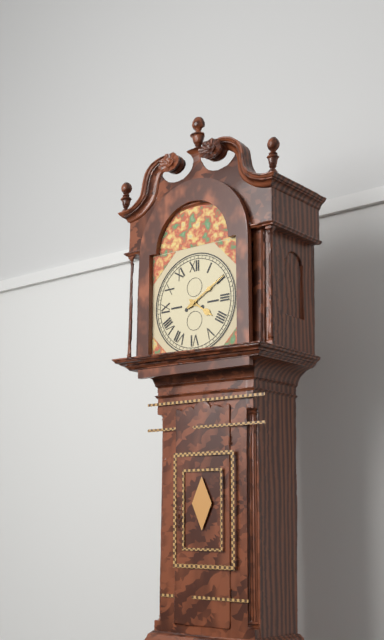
**4:10**
